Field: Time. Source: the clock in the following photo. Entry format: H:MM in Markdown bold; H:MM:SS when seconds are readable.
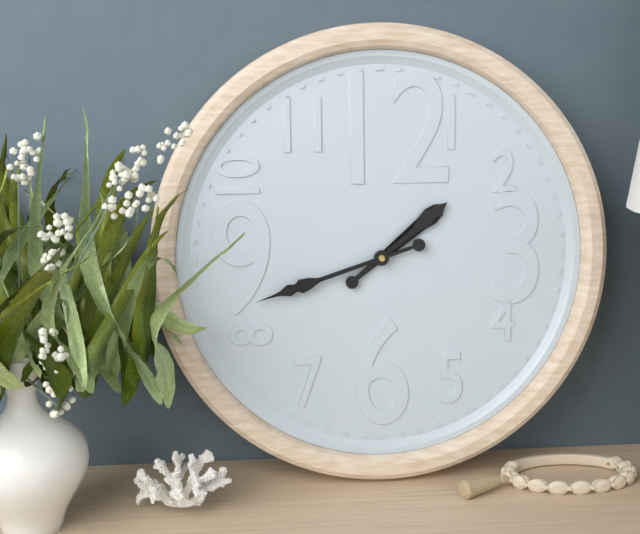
**1:42**
